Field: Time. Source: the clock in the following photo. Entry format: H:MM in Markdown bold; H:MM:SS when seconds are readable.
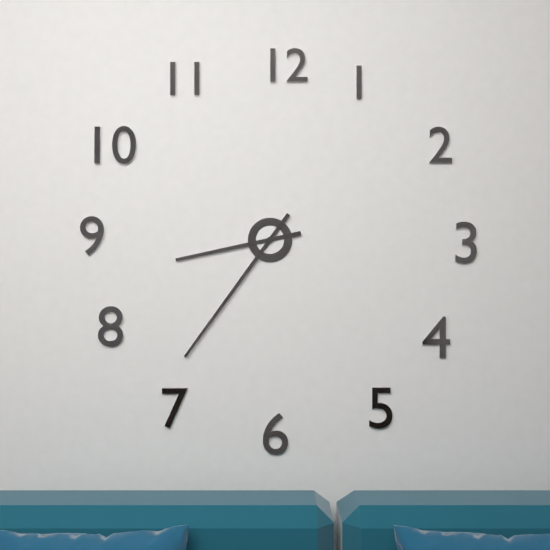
**8:36**
